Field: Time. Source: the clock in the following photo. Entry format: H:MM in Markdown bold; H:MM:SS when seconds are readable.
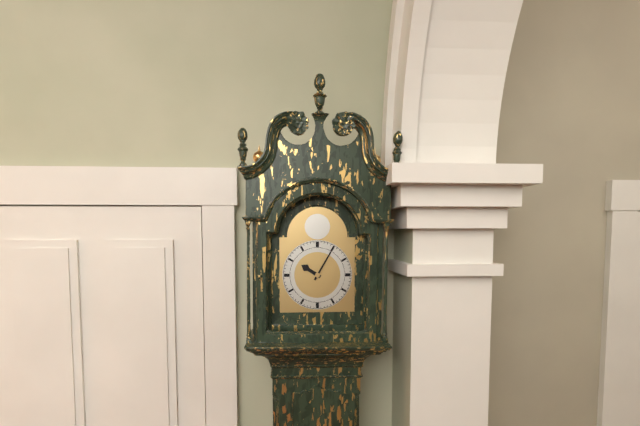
**10:05**
